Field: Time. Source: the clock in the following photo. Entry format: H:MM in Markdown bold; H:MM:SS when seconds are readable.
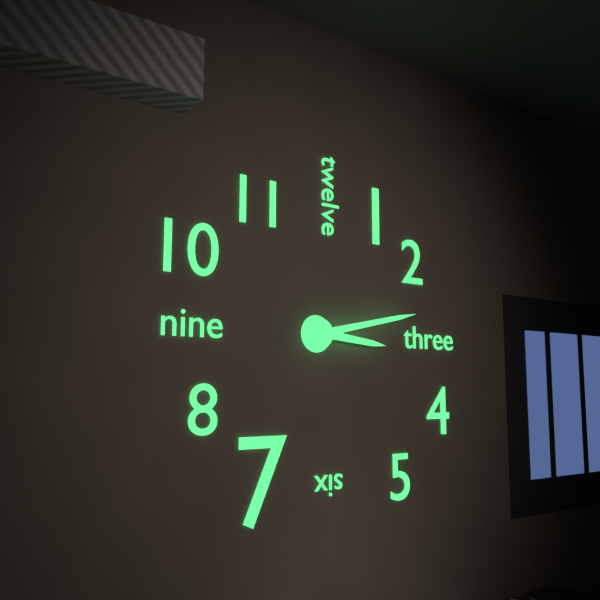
**3:13**
